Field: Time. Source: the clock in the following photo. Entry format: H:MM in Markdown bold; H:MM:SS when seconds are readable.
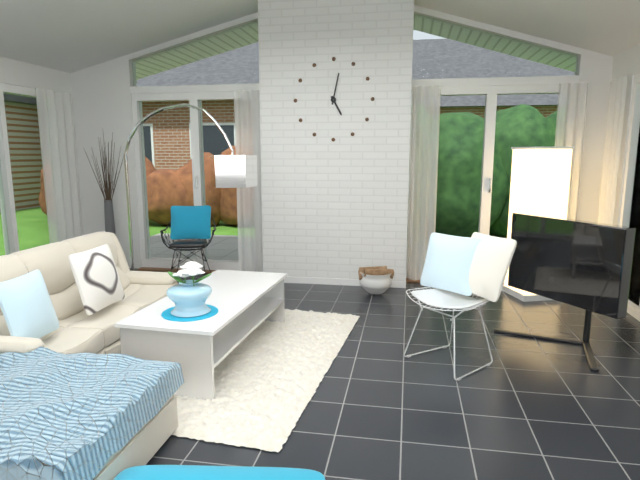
**5:02**
